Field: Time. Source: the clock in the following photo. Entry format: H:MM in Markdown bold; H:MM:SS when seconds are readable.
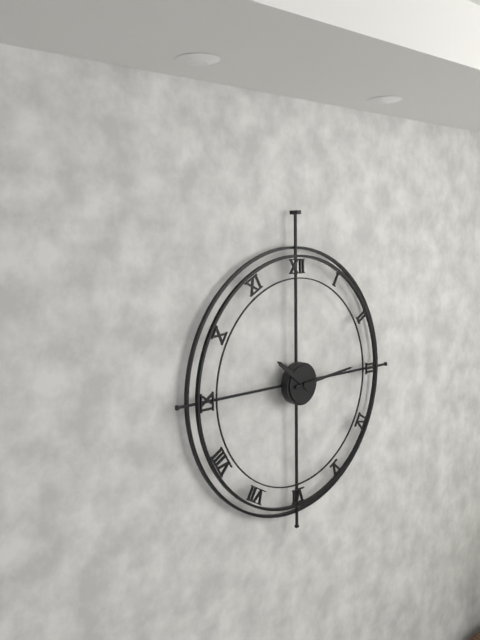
**10:14**
